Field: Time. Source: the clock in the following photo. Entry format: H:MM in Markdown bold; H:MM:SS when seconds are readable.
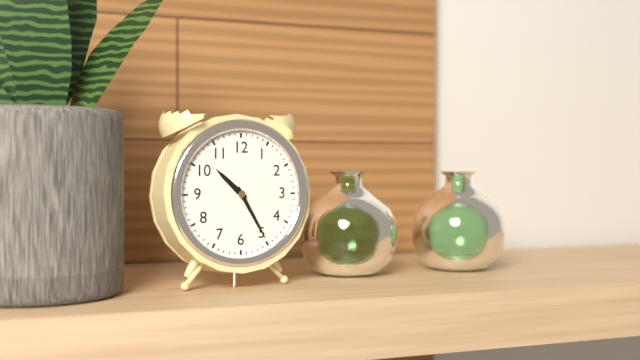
**10:25**
